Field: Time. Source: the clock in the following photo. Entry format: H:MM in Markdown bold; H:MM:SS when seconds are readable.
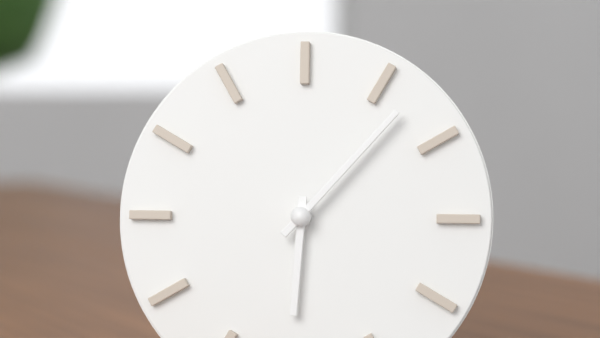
**6:07**
